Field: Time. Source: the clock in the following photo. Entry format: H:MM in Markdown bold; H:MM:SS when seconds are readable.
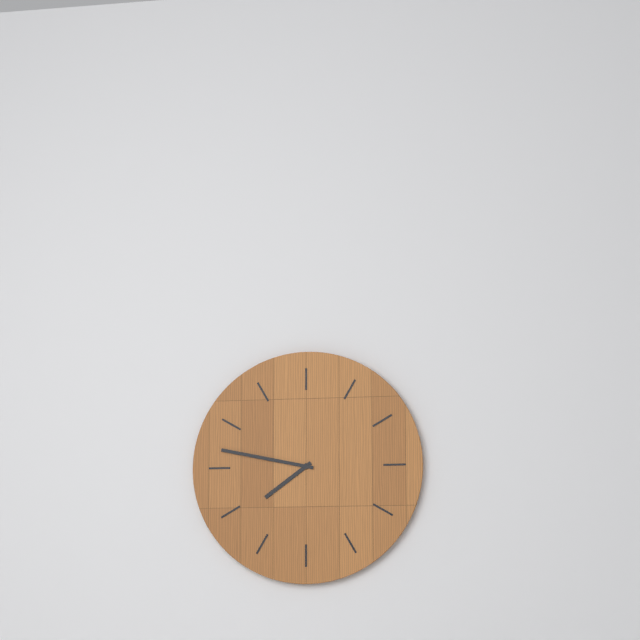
**7:47**
